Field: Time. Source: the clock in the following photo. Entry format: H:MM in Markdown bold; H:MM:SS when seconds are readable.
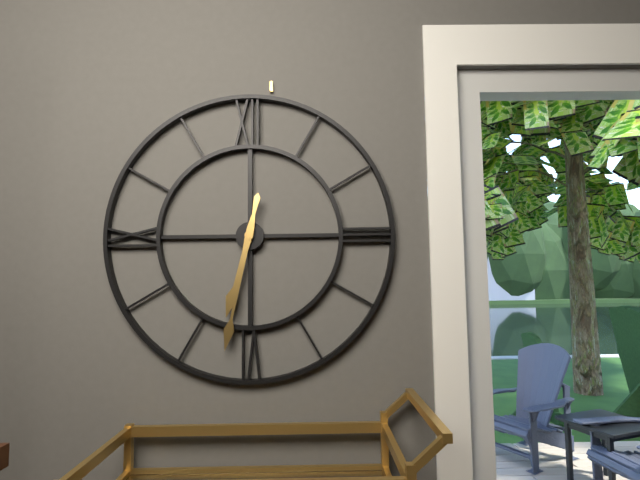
**6:32**
